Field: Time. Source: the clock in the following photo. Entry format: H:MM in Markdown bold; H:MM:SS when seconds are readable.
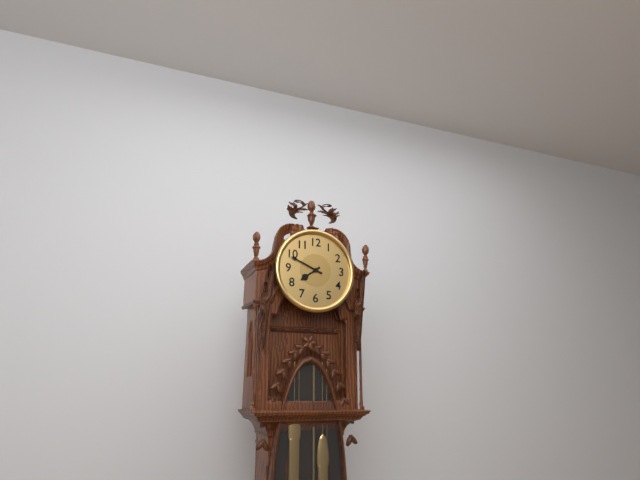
**7:49**
